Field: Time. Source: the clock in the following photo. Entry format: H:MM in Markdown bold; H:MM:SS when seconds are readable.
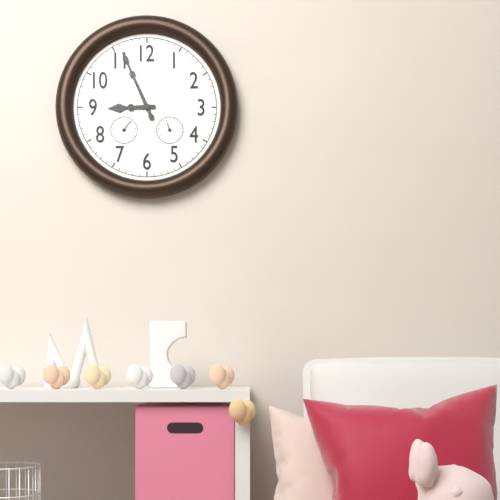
**8:56**
